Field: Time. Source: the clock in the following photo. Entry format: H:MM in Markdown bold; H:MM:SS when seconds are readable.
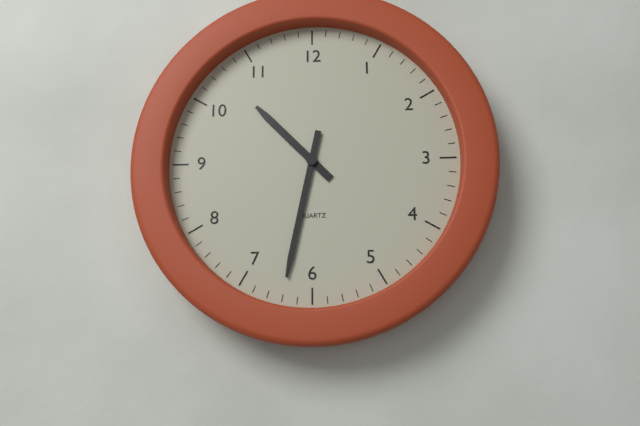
**10:32**
